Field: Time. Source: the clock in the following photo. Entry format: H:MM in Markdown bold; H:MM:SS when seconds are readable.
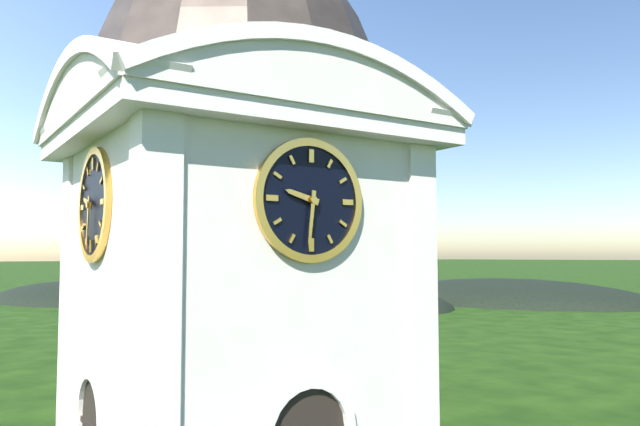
**9:31**
